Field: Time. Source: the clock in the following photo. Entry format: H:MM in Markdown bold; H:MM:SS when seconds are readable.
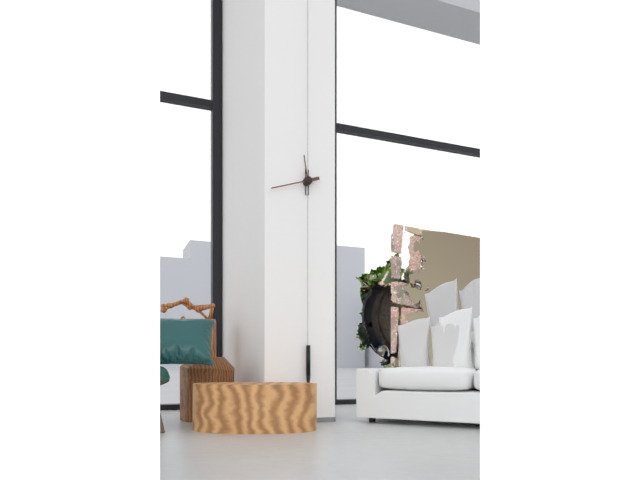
**11:42**
